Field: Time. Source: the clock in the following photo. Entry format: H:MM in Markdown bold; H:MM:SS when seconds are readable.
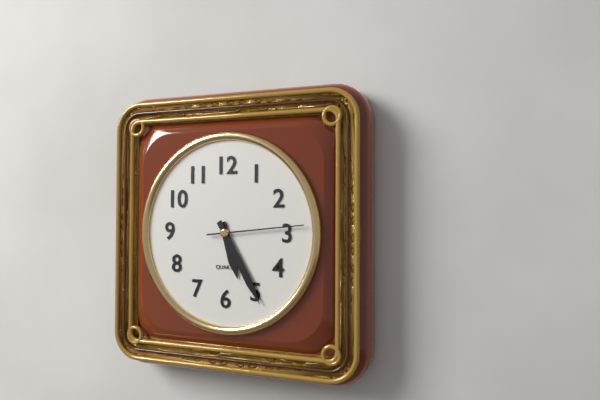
**5:25:14**
